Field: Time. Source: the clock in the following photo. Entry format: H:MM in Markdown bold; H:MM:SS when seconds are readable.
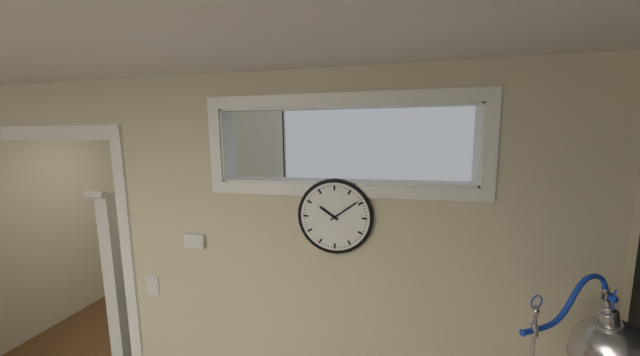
**10:09**
